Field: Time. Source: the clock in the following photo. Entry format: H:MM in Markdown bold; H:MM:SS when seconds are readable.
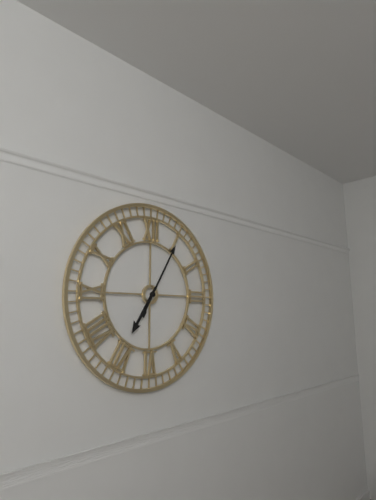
**7:05**
